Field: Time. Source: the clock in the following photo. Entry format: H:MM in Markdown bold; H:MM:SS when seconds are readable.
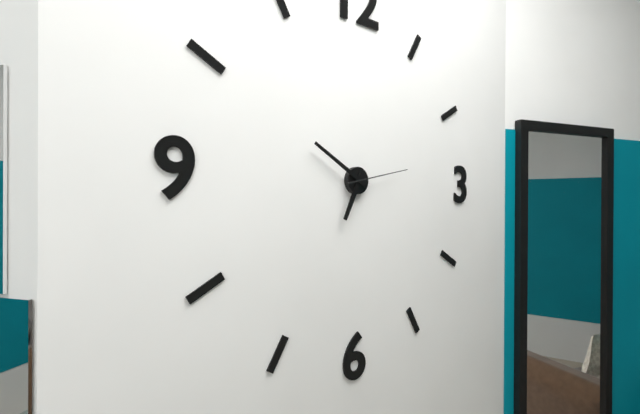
**6:50:13**
